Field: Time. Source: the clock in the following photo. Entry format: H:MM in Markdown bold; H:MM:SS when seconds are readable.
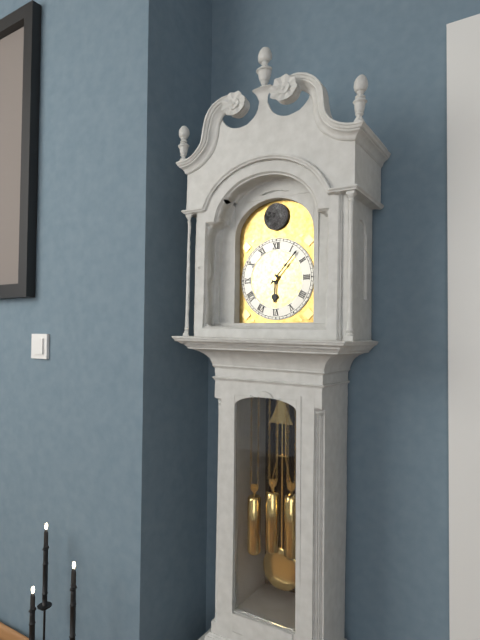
**6:07**
